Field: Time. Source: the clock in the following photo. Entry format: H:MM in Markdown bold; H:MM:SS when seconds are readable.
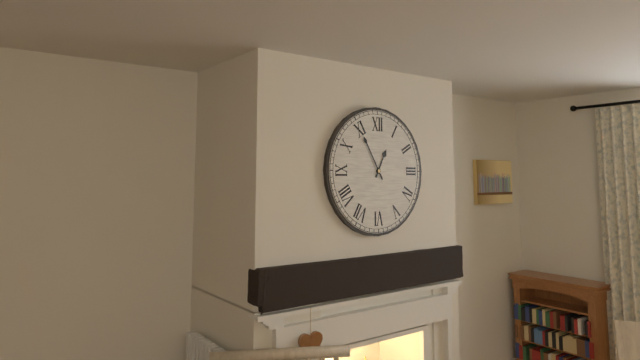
**12:55**
